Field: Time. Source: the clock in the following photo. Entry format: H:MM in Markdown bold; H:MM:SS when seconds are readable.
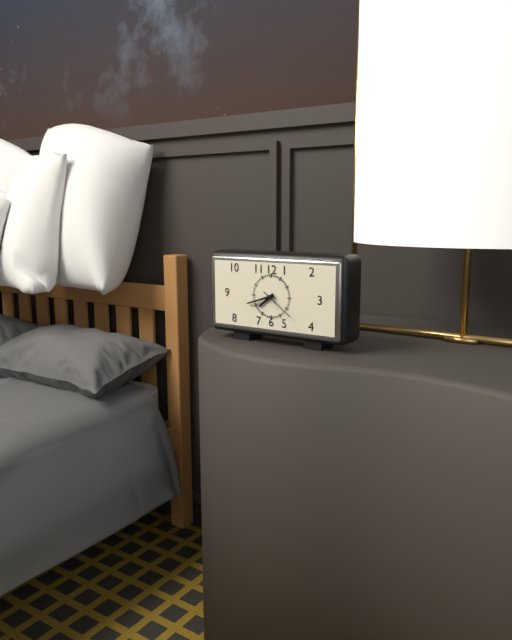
**7:42**
